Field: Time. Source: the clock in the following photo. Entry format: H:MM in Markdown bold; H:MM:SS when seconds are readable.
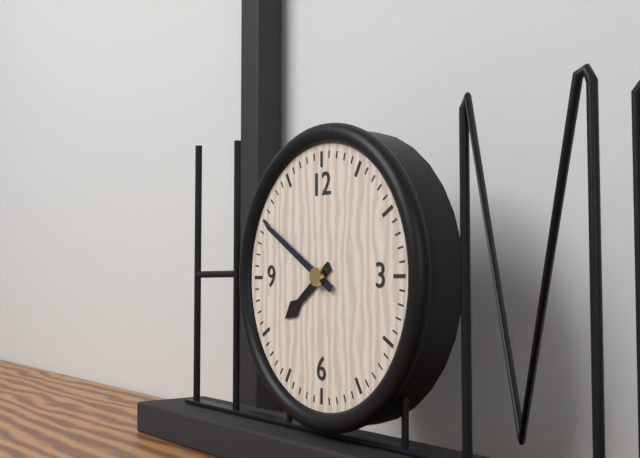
**7:50**
